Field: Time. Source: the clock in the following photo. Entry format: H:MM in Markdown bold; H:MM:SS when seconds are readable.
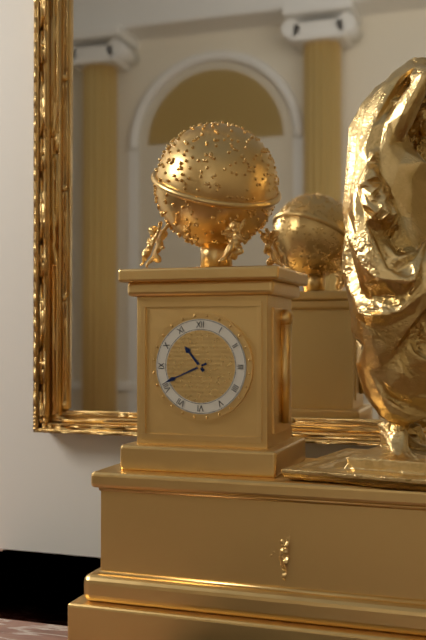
**10:41**
